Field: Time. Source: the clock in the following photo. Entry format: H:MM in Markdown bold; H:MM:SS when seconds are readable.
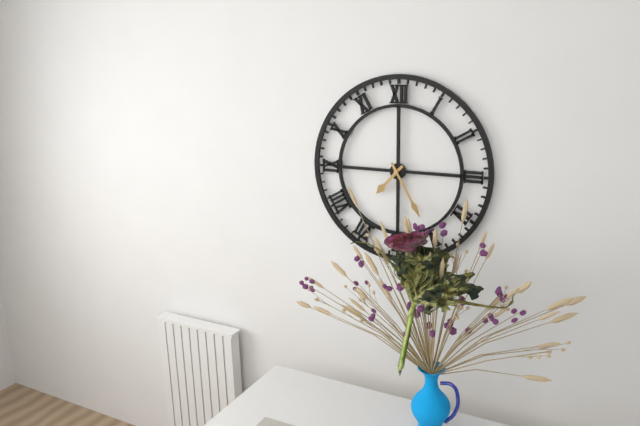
**7:25**
